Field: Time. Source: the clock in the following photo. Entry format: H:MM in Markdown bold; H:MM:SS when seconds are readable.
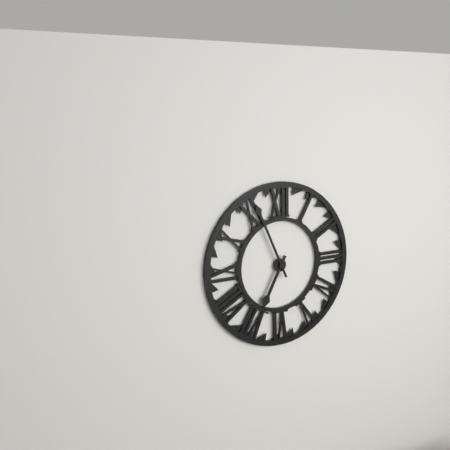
**6:56**
